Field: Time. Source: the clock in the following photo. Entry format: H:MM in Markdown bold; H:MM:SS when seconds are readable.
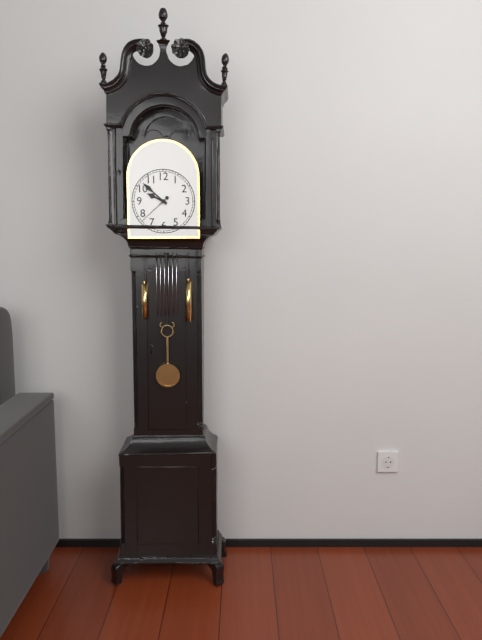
**9:52**
